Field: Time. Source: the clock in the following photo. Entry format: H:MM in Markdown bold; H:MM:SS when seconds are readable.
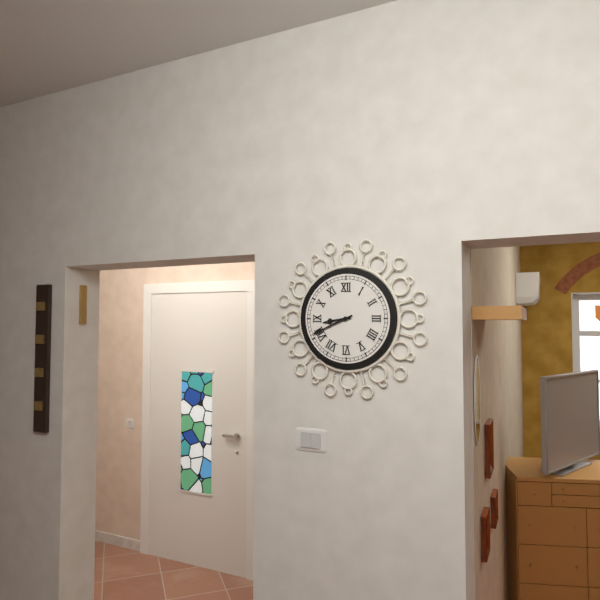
**8:41**
